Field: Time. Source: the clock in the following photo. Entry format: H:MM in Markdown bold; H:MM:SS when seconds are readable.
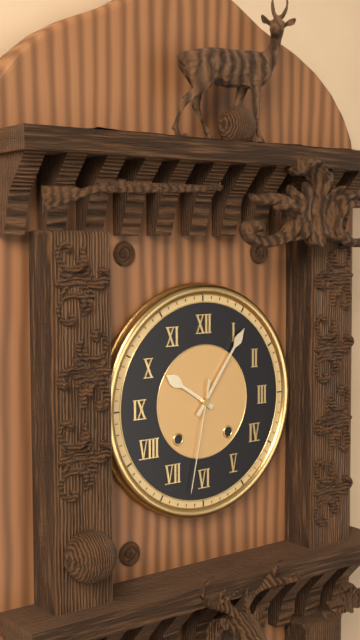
**10:06:32**
